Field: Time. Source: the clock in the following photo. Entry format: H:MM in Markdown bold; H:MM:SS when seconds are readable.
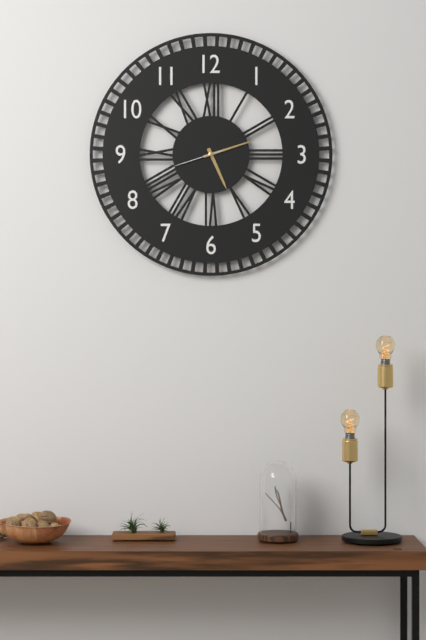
**5:12:42**
